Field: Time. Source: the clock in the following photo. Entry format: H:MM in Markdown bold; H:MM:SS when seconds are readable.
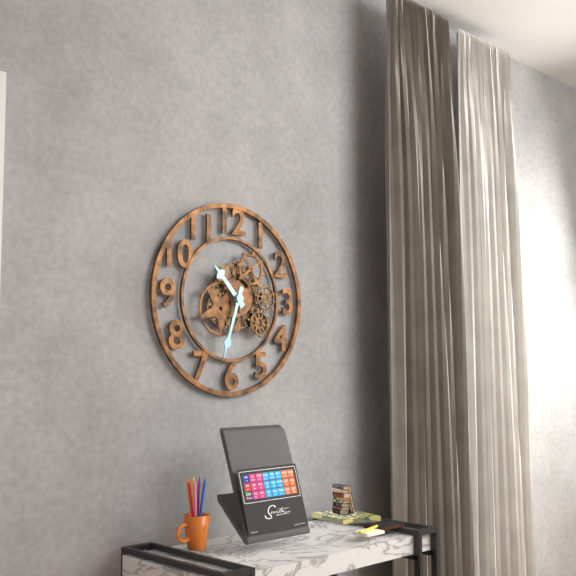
**10:33**
